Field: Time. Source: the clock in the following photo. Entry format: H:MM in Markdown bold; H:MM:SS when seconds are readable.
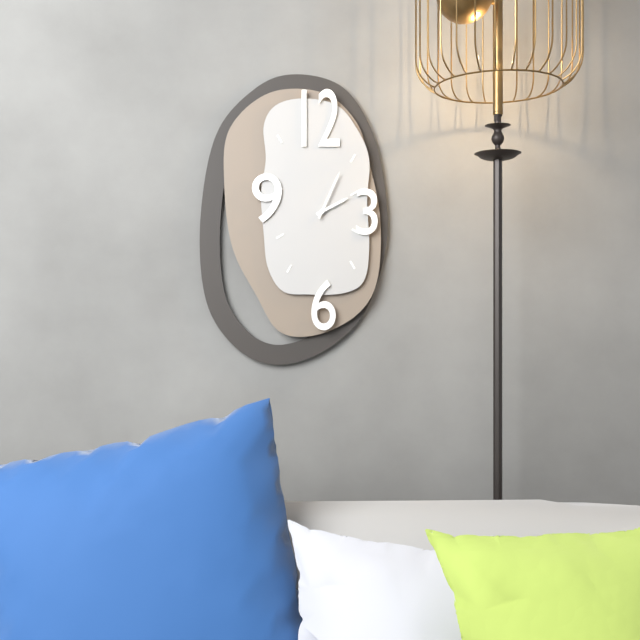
**2:04**
